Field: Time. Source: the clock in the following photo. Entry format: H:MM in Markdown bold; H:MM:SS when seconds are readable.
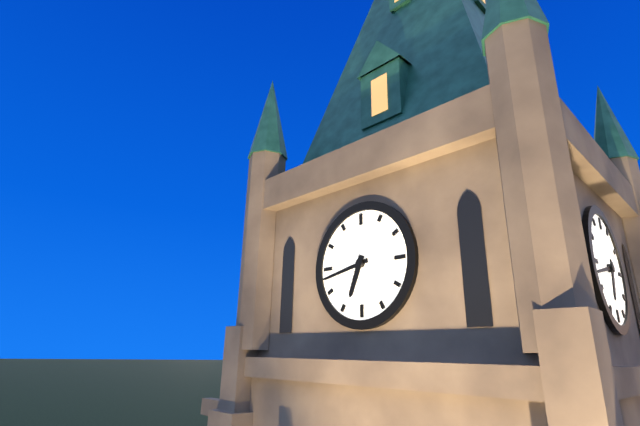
**6:43**
